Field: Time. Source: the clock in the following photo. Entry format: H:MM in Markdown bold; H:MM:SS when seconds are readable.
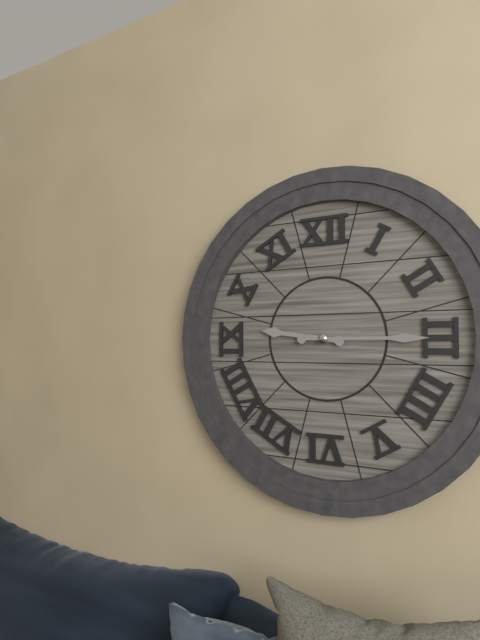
**9:15**
